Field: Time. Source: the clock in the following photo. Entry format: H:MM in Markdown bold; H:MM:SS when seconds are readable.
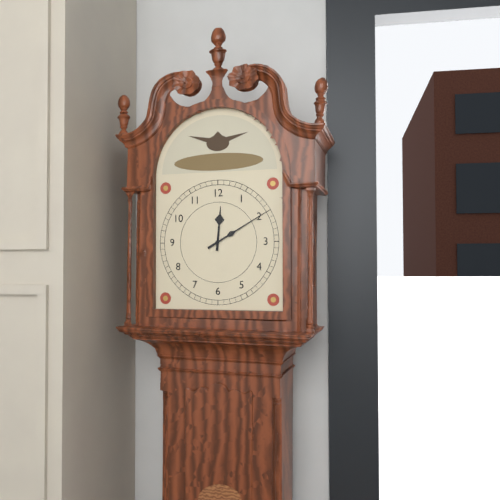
**12:10**
